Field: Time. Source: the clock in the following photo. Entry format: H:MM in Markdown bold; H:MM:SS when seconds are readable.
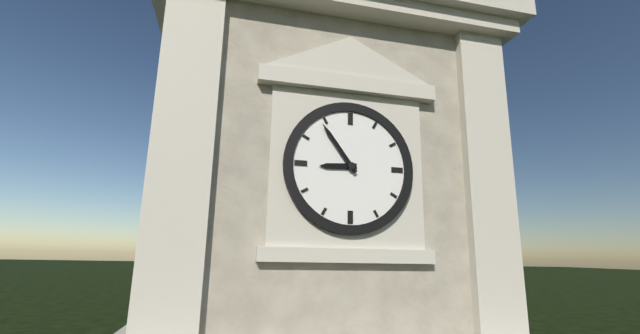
**8:54**
